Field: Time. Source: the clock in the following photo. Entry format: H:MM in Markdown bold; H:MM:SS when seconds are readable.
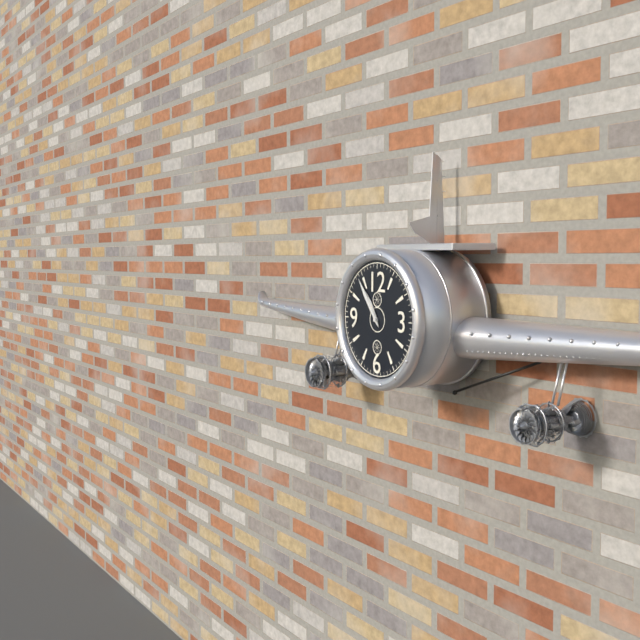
**10:54**
